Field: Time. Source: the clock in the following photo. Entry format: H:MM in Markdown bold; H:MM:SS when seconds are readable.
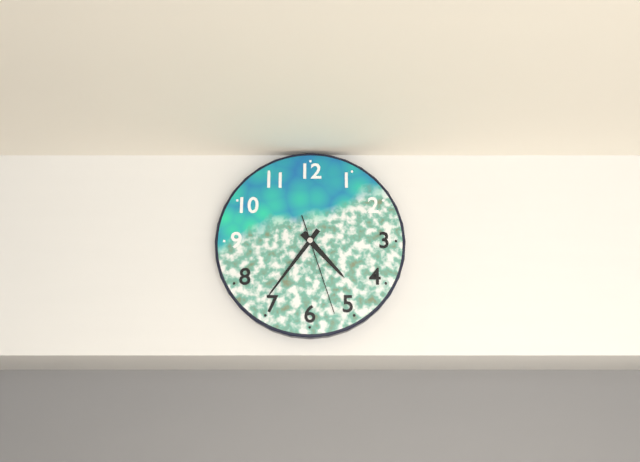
**4:36:27**
